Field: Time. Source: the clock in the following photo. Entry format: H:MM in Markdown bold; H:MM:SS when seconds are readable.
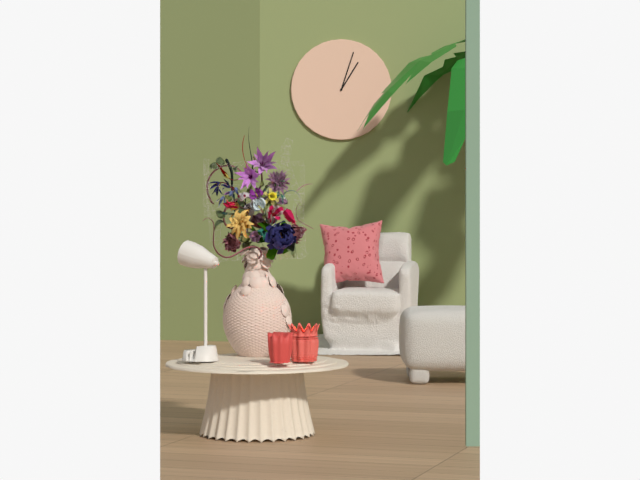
**1:03**
